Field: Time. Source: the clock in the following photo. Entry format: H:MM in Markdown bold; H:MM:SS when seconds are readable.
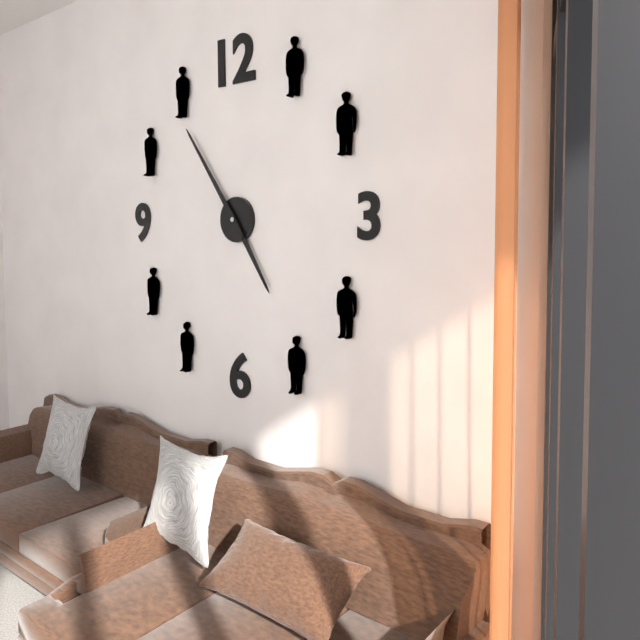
**4:54**
